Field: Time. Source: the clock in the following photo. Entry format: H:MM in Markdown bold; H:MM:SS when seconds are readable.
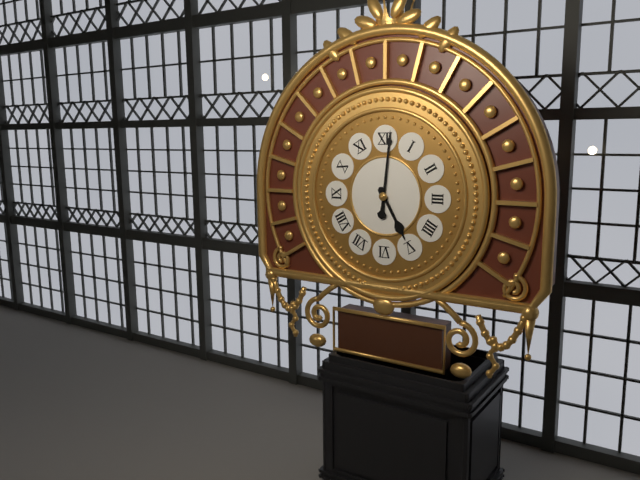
**5:01**
